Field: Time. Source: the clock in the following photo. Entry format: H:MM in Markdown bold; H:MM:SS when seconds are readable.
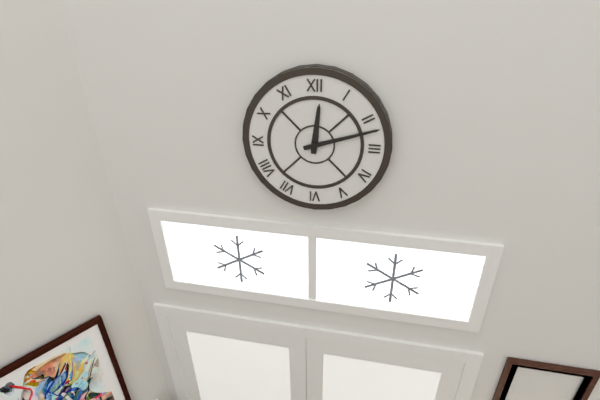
**12:12**
